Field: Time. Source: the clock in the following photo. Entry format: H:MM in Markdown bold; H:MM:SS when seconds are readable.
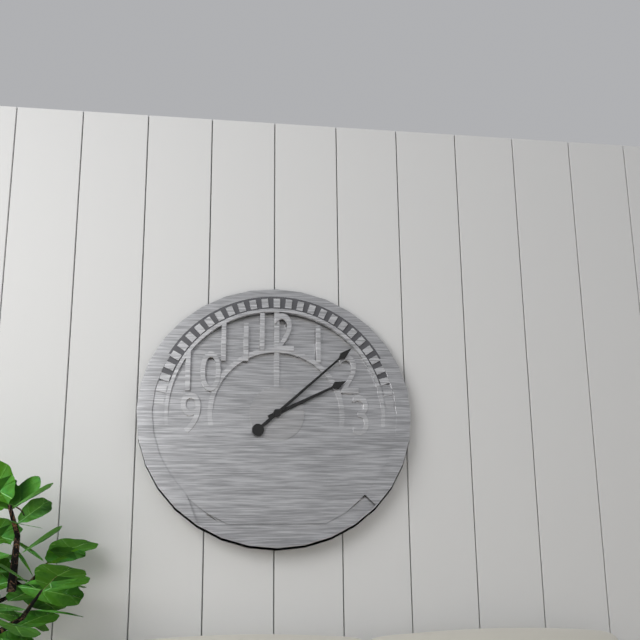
**2:08**
